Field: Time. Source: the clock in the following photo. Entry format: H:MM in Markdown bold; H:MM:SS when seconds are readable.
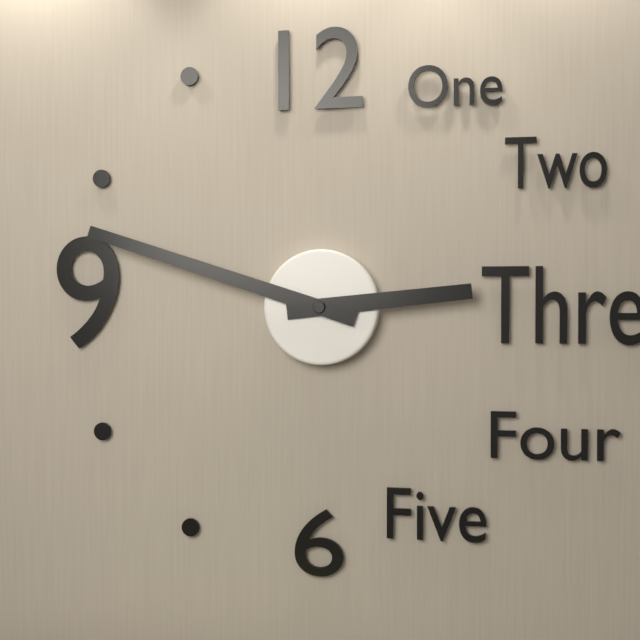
**2:48**
